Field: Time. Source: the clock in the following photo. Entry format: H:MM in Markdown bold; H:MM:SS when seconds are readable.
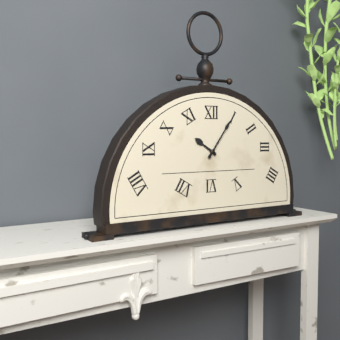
**10:06**
